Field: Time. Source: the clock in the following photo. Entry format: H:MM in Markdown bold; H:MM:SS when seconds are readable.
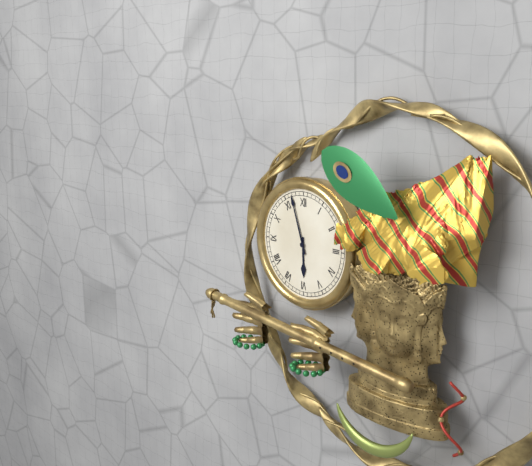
**5:57**
